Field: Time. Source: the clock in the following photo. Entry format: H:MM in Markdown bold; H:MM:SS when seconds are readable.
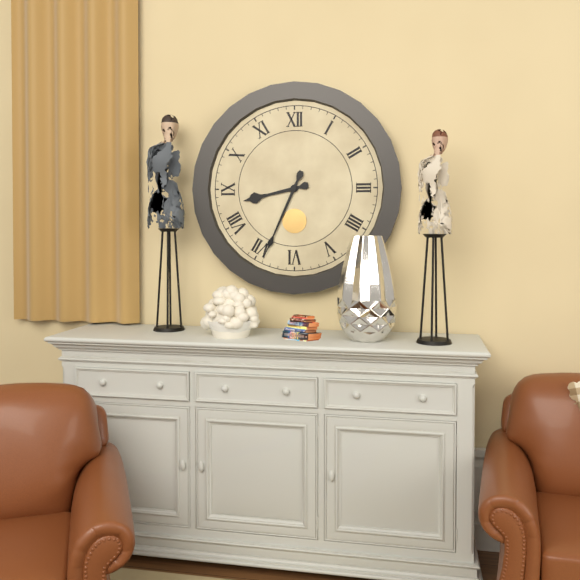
**8:34**
